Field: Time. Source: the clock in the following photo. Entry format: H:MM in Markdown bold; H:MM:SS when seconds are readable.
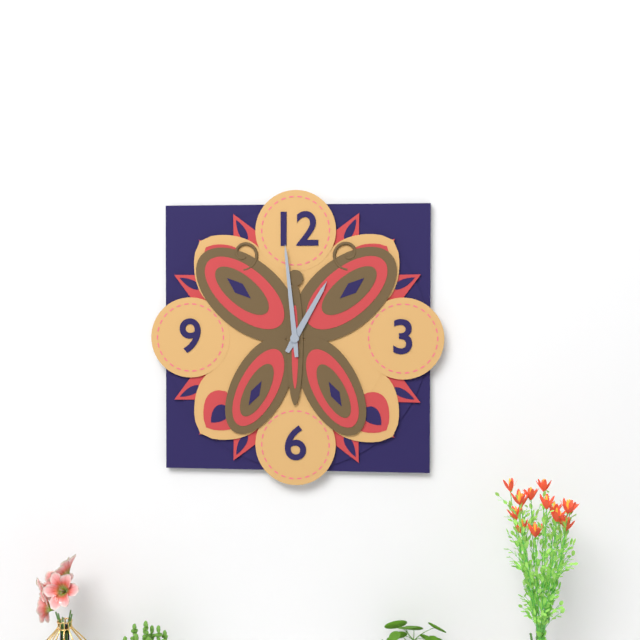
**12:59**
